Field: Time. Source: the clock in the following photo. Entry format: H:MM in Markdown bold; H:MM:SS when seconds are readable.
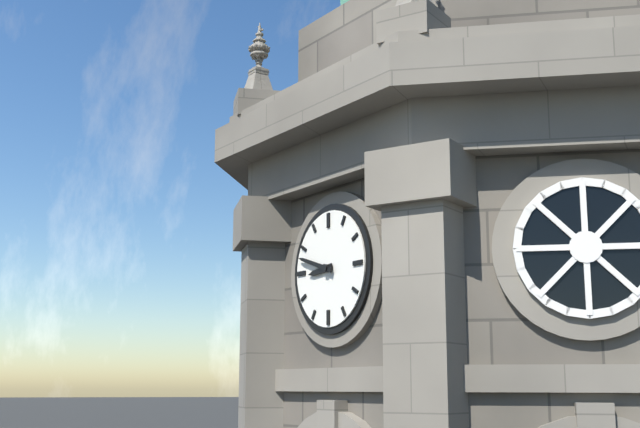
**8:48**
